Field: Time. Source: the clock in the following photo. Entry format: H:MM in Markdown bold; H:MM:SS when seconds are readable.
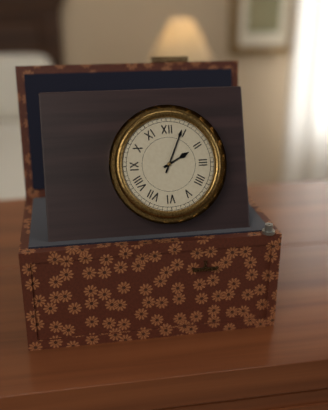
**2:04**
